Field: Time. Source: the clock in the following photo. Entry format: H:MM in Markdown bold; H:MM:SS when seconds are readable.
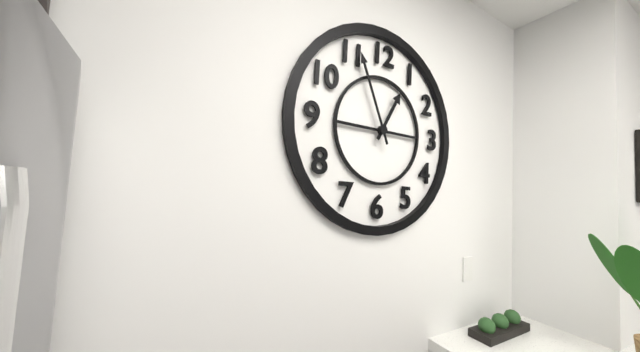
**12:56**
